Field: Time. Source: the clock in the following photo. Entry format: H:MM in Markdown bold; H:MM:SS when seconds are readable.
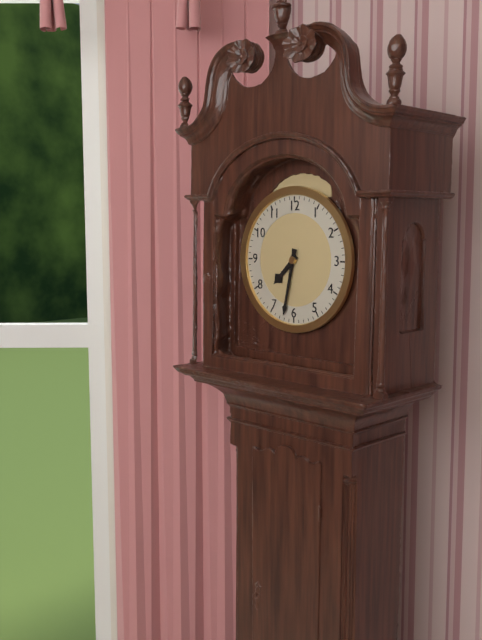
**7:32**
